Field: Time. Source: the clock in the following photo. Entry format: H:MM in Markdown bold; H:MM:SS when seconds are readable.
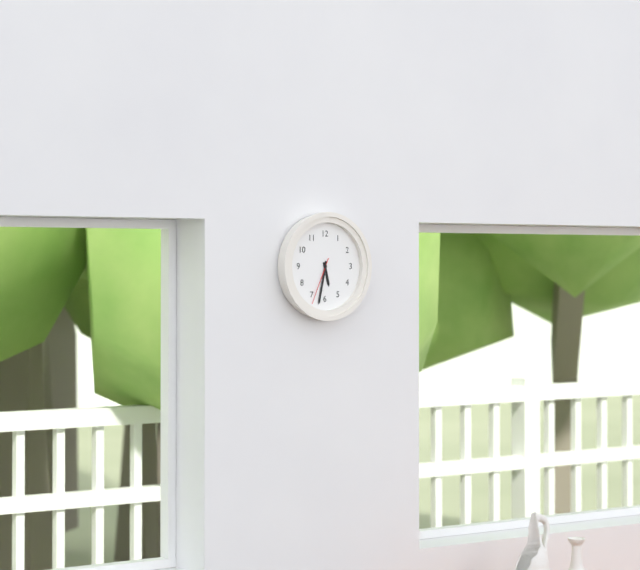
**5:32**
